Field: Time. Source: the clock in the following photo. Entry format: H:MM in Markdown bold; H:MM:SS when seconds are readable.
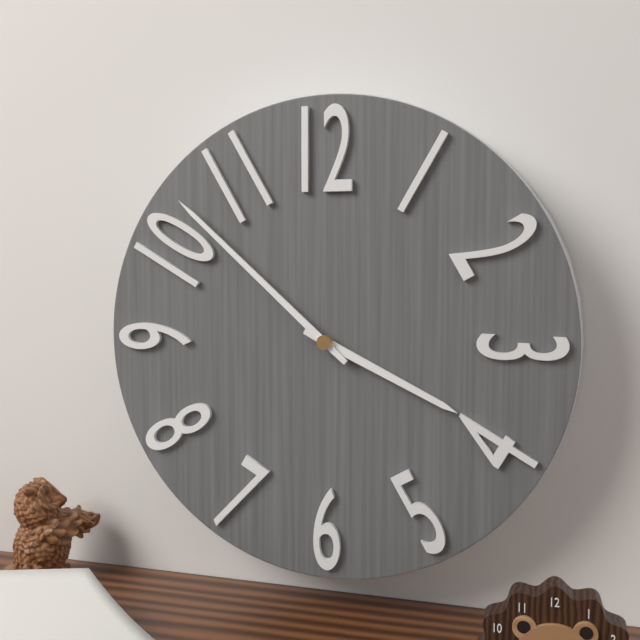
**3:52**
